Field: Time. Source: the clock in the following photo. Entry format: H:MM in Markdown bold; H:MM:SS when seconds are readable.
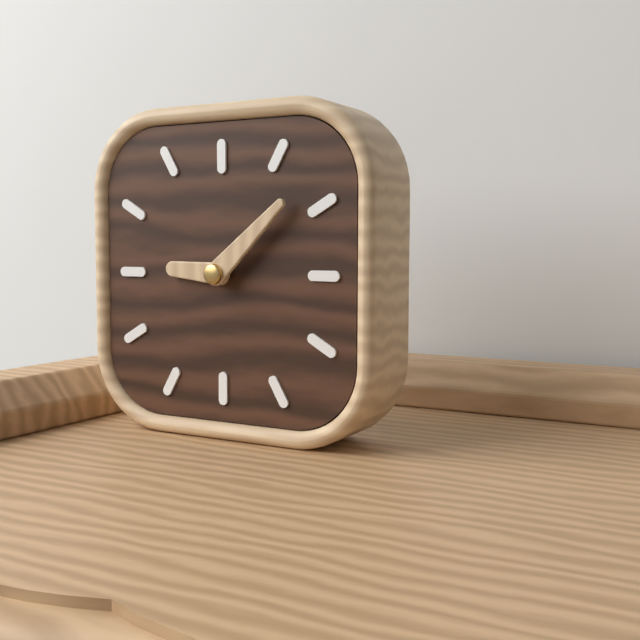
**9:08**
